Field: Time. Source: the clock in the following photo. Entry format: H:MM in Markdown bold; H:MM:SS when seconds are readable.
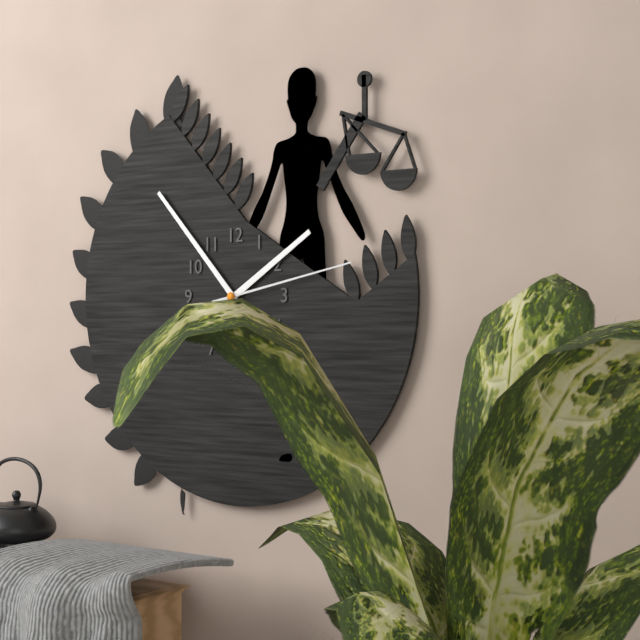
**1:53:13**
